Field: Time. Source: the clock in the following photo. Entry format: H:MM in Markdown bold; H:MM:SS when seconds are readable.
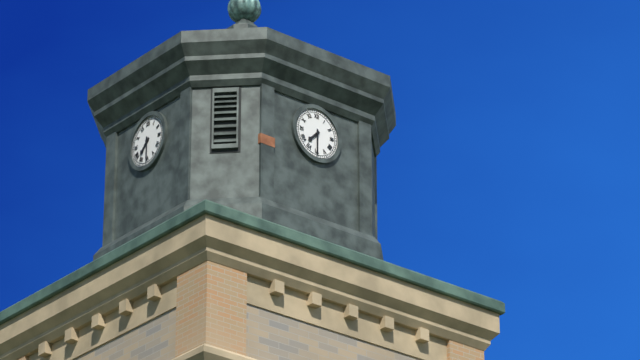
**7:30**
